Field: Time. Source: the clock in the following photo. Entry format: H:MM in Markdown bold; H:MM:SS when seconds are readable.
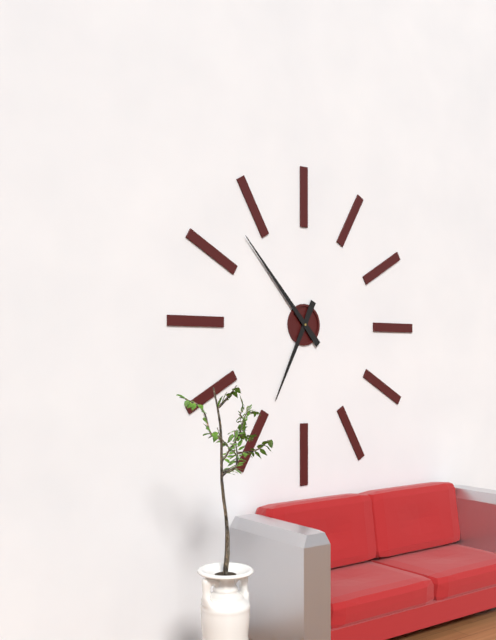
**6:53**
